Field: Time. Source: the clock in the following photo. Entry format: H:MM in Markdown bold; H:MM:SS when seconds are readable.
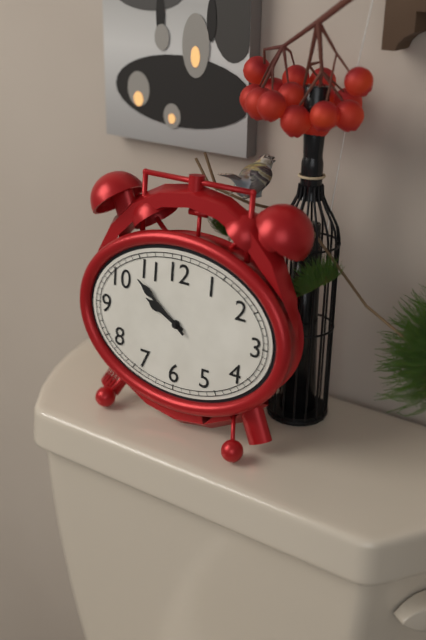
**9:51**
